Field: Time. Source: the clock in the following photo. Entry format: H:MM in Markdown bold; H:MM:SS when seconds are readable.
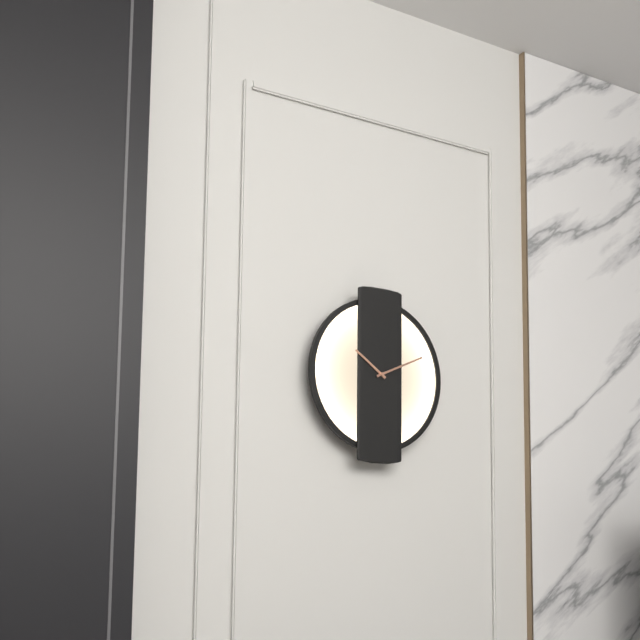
**10:11**
